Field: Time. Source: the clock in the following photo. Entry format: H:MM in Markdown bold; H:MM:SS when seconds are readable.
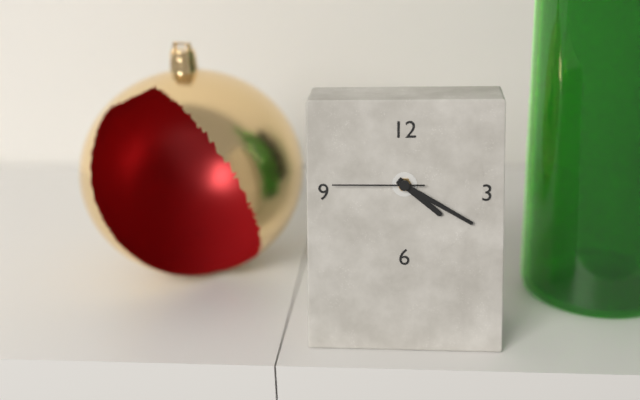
**4:20:45**
